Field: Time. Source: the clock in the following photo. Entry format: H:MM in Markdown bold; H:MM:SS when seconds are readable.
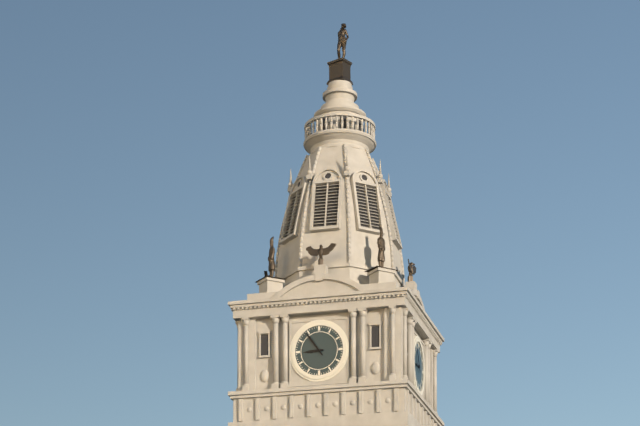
**8:54**
